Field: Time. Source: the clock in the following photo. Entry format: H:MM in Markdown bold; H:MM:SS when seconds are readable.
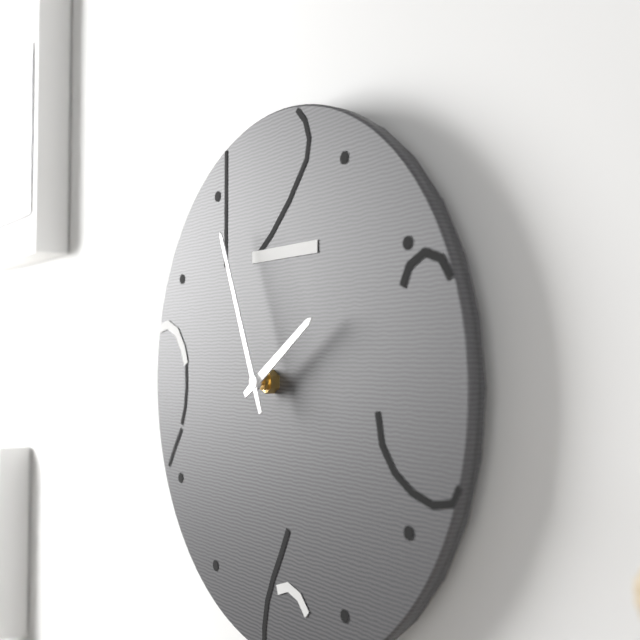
**1:56**
